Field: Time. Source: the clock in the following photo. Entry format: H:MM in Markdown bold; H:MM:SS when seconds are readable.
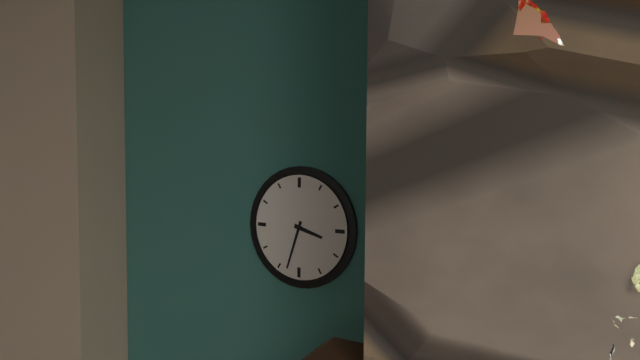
**3:33**
